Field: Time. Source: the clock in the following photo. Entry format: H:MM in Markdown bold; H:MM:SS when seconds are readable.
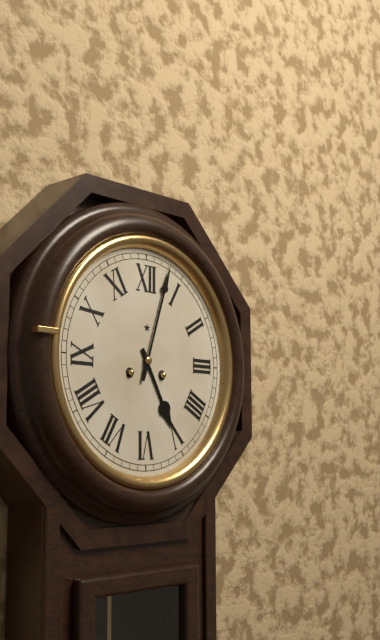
**5:03**
